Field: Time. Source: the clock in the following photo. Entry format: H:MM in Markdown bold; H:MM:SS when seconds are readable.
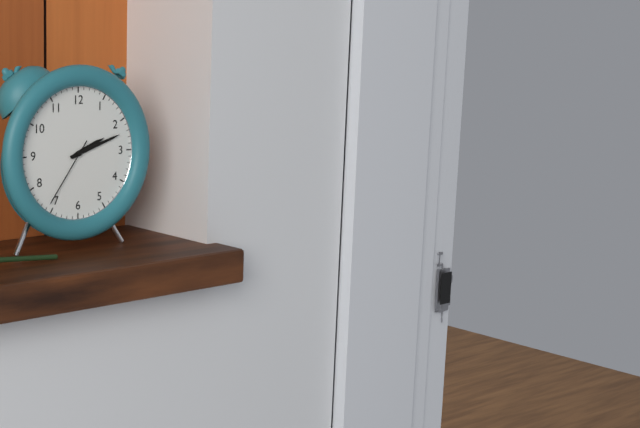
**2:12:36**
